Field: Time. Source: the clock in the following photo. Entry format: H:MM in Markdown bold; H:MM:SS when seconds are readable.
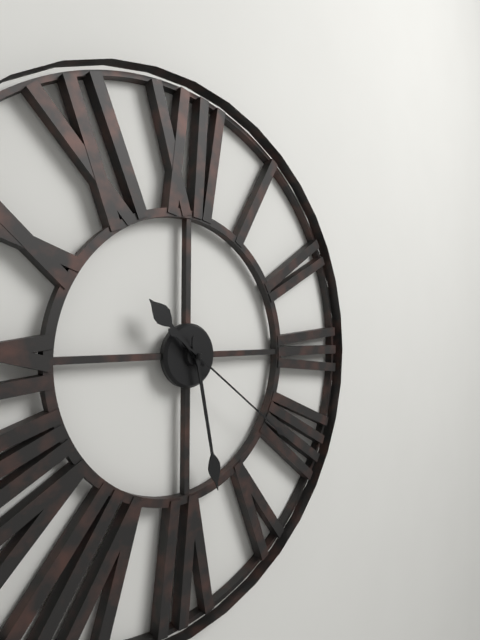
**10:28:21**
